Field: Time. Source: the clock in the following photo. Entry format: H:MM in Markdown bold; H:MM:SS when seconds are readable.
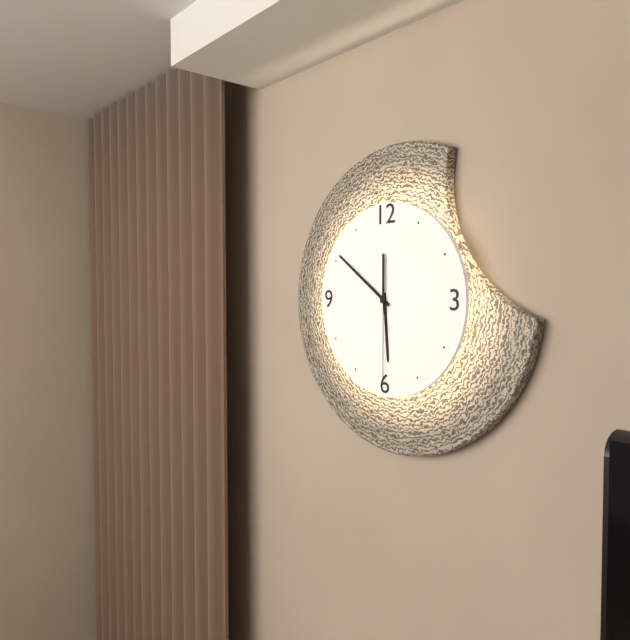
**5:51:30**
